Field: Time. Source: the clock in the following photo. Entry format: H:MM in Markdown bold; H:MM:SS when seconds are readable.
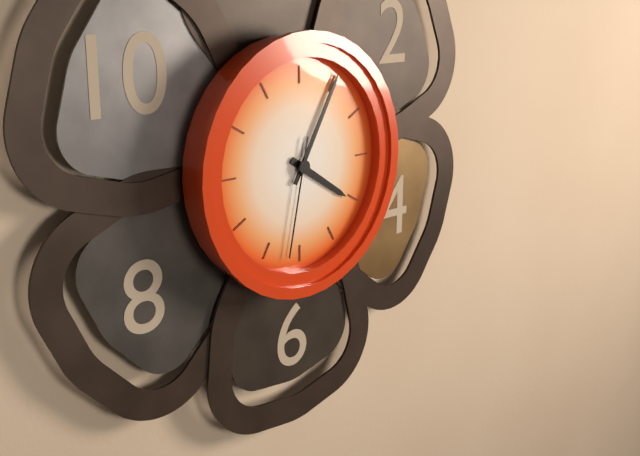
**4:05:32**
